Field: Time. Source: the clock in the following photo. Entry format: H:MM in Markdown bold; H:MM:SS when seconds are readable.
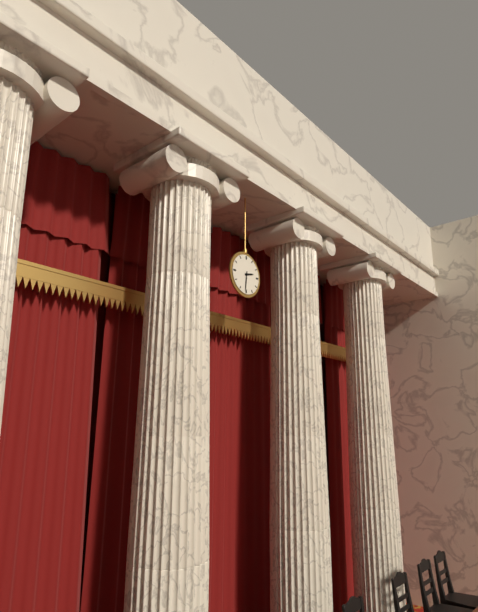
**2:31**
